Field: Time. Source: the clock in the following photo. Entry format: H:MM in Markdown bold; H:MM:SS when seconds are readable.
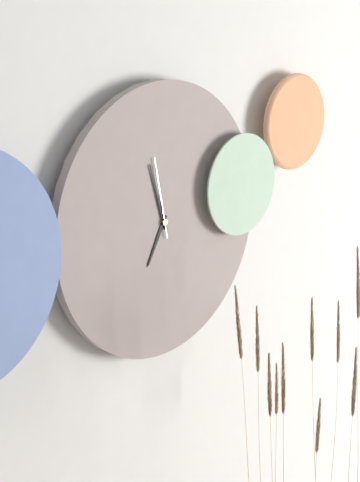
**6:57:58**
